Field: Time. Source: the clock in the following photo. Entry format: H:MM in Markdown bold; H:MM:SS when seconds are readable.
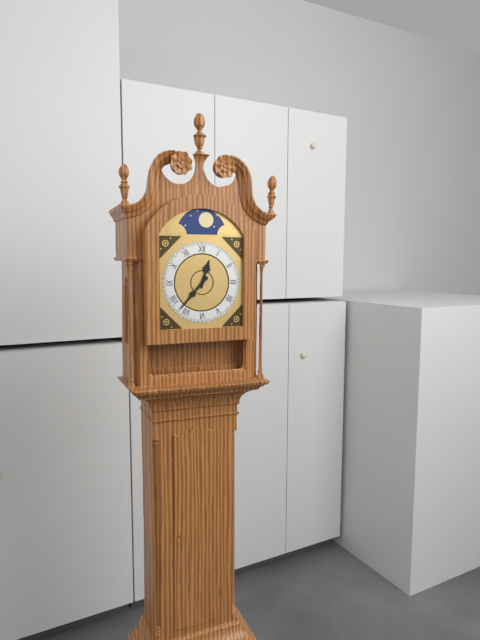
**12:37**
